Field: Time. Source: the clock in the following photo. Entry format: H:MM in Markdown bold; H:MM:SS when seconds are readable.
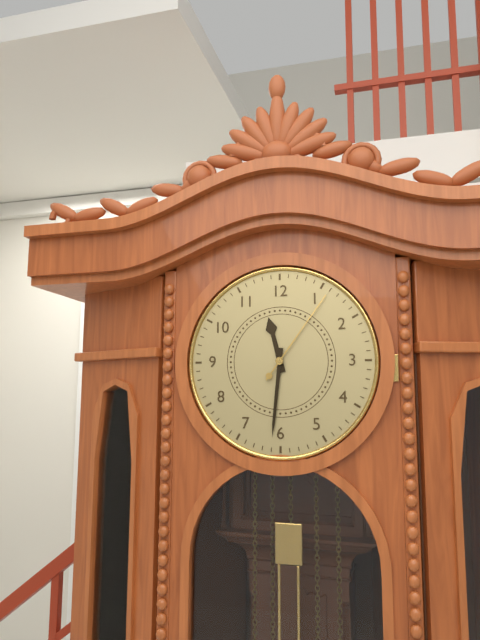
**11:31:06**
